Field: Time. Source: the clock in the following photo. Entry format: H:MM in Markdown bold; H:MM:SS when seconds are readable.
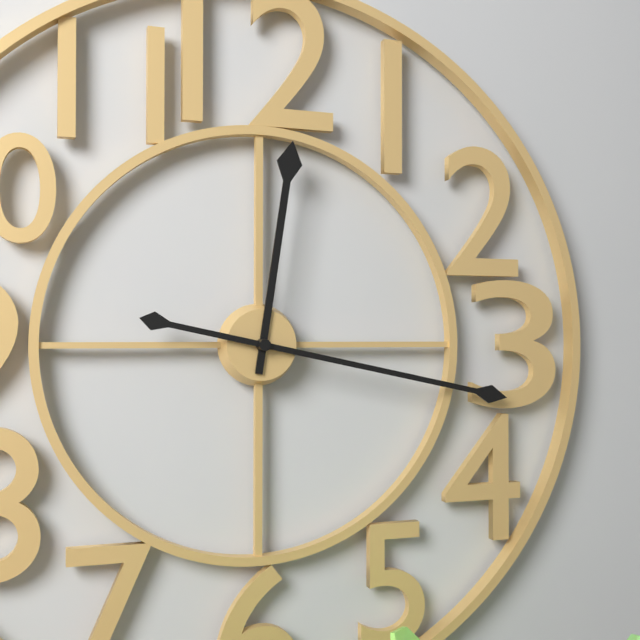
**12:17**
